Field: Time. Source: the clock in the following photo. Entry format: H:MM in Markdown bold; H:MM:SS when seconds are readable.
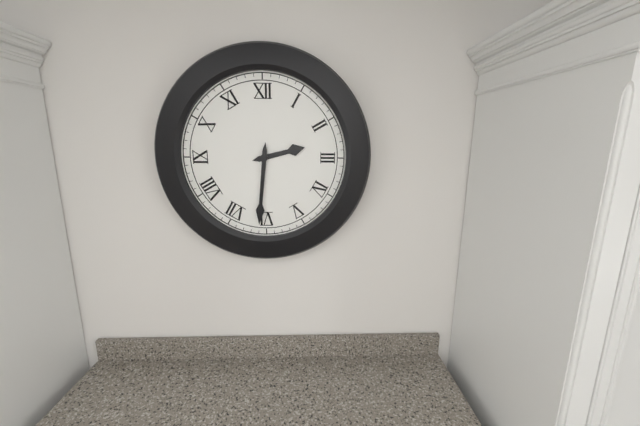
**2:31**
